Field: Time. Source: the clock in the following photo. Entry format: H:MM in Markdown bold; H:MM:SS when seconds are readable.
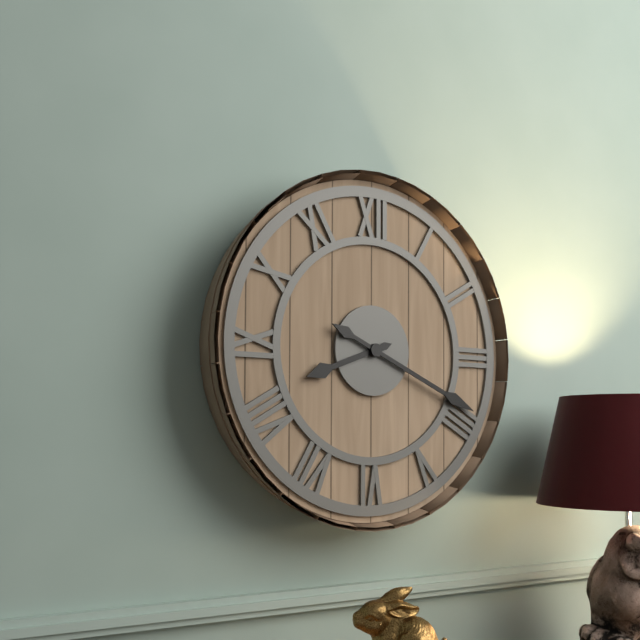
**8:19**
